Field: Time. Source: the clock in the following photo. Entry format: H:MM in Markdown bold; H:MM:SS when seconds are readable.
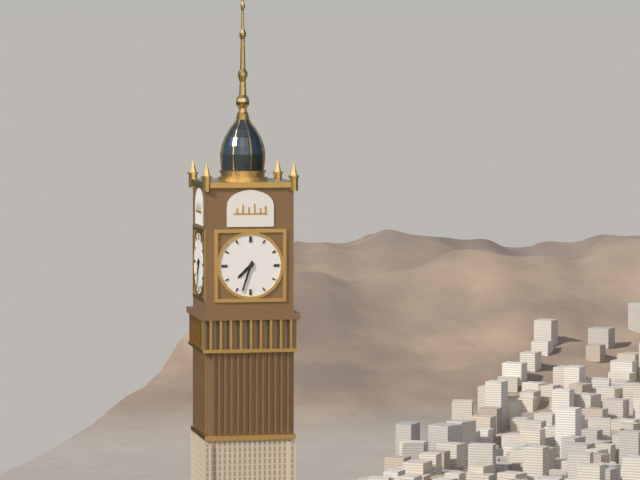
**7:33**
